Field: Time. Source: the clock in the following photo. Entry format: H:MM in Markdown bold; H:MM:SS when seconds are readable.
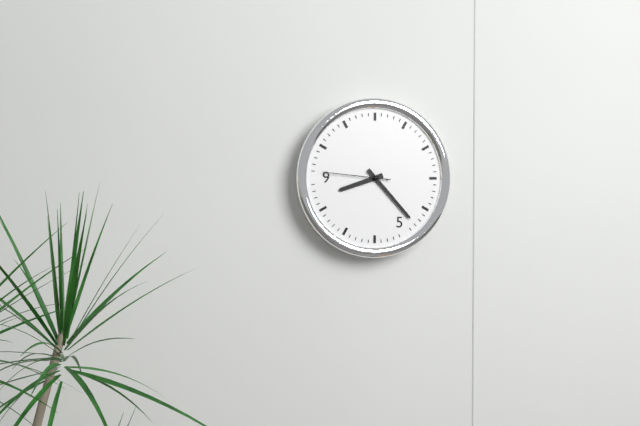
**8:23:46**
